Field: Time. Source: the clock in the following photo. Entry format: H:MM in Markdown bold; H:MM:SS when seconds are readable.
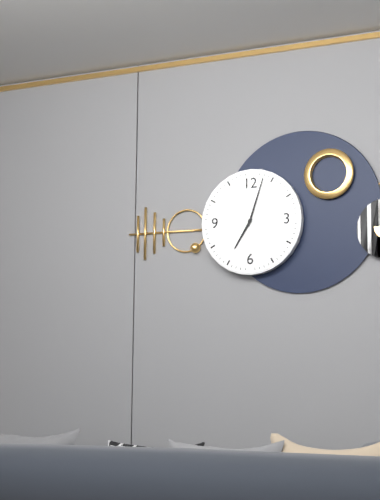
**7:03**
